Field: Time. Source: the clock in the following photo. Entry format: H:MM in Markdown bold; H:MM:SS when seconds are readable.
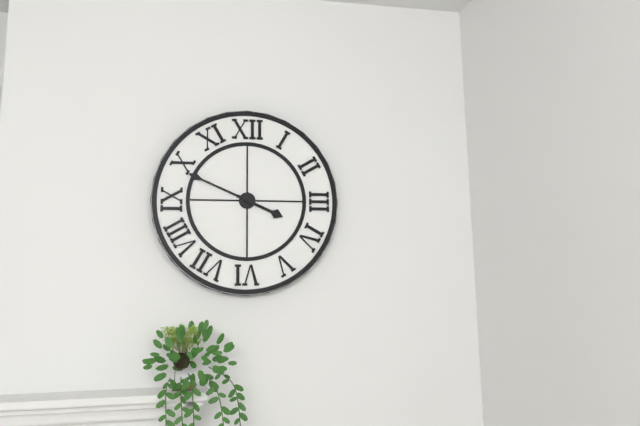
**3:49**
